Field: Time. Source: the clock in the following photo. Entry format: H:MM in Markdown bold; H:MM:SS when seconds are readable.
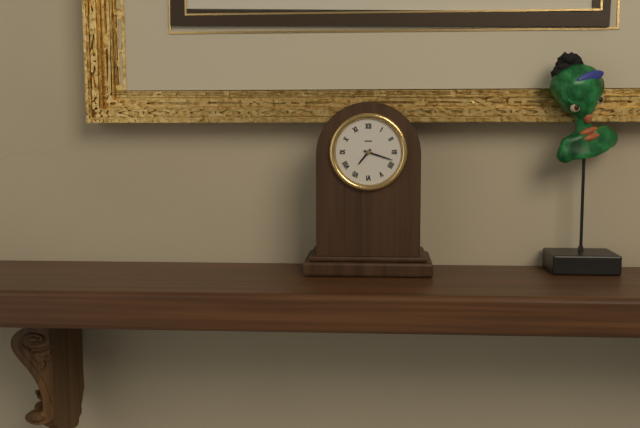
**7:18**
